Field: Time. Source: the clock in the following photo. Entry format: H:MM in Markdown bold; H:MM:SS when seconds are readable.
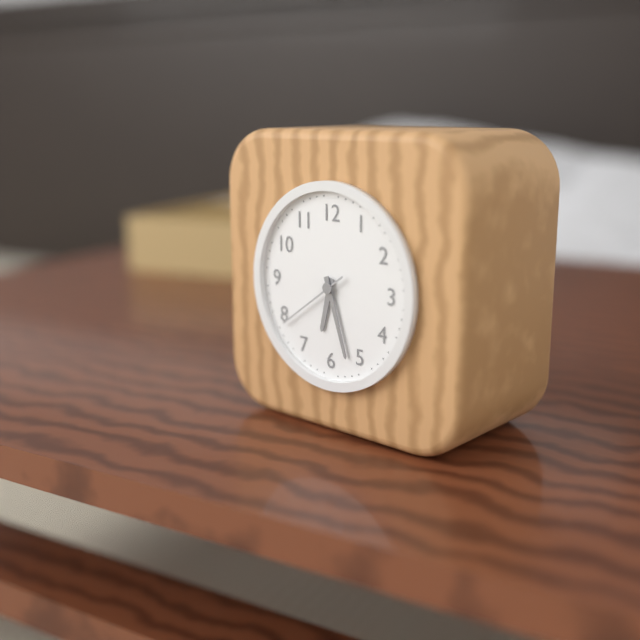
**6:27:39**
